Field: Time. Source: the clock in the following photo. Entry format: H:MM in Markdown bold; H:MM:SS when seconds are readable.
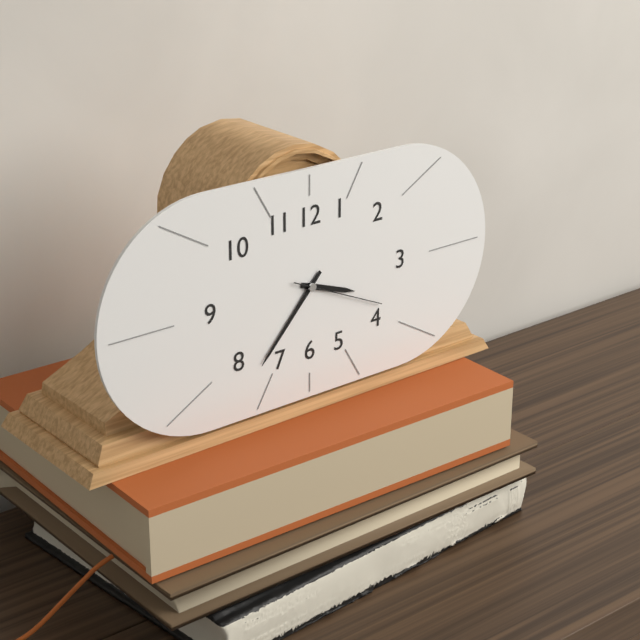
**3:37:19**
